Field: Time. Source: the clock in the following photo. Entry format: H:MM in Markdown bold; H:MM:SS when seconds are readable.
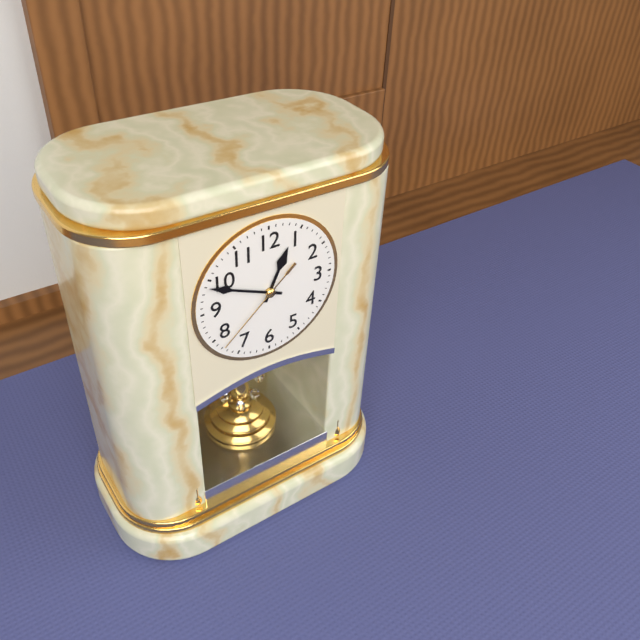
**12:49:38**
